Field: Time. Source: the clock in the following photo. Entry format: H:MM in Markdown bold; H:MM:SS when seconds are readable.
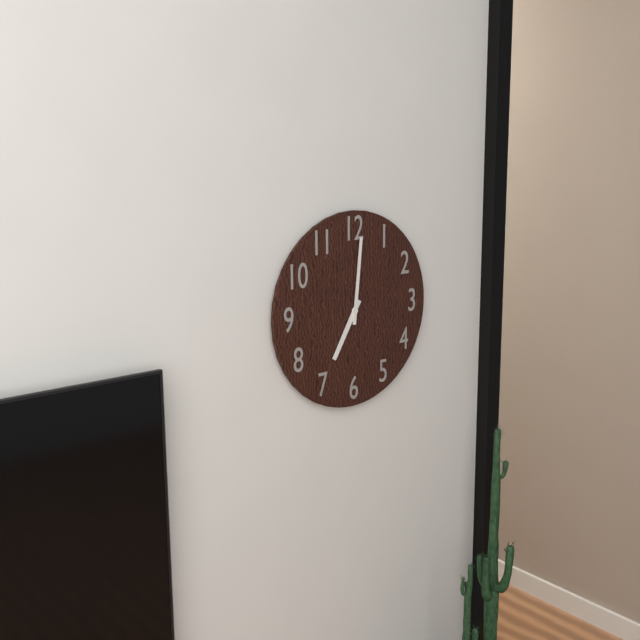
**7:01**
